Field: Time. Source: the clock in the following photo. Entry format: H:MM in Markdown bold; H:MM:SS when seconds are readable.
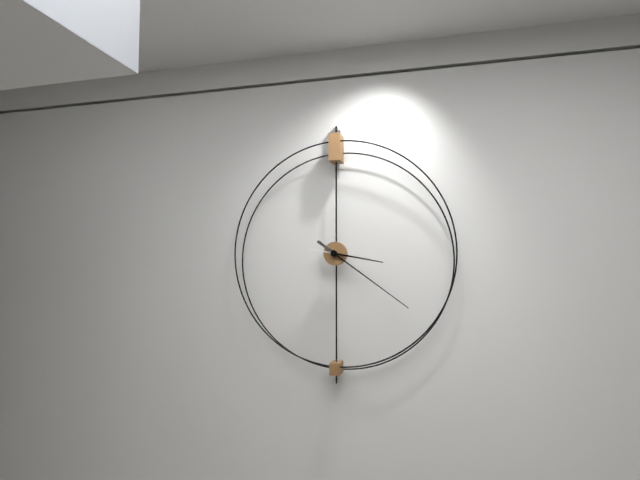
**3:21**
